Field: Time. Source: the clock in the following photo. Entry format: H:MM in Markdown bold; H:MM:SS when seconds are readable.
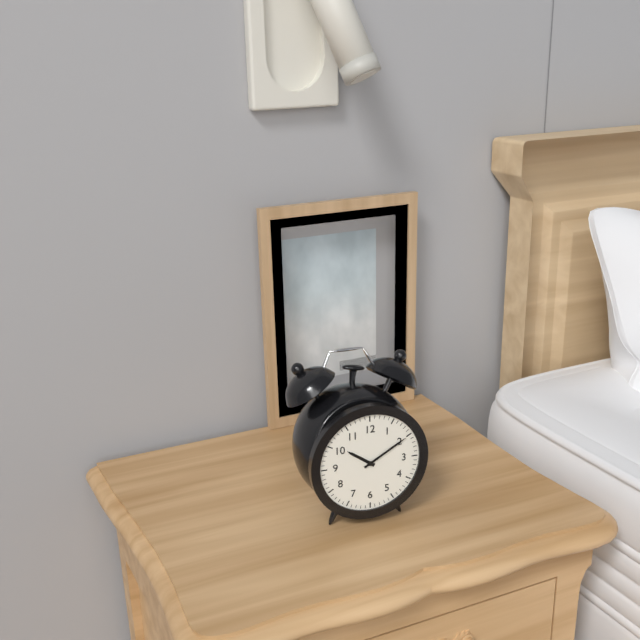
**10:10**
